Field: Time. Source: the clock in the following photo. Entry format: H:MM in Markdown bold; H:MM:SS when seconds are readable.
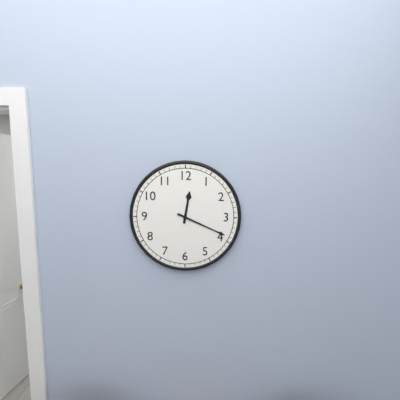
**12:19**
